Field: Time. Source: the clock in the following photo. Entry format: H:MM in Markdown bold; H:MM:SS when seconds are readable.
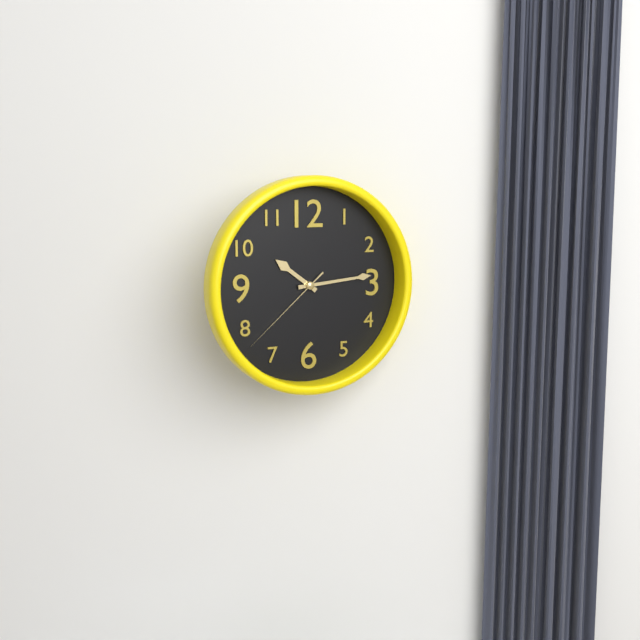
**10:14:38**
